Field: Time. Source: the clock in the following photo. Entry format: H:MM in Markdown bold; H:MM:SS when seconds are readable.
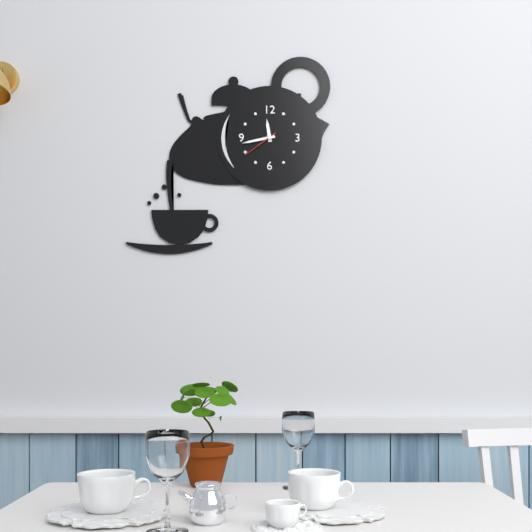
**11:43**
